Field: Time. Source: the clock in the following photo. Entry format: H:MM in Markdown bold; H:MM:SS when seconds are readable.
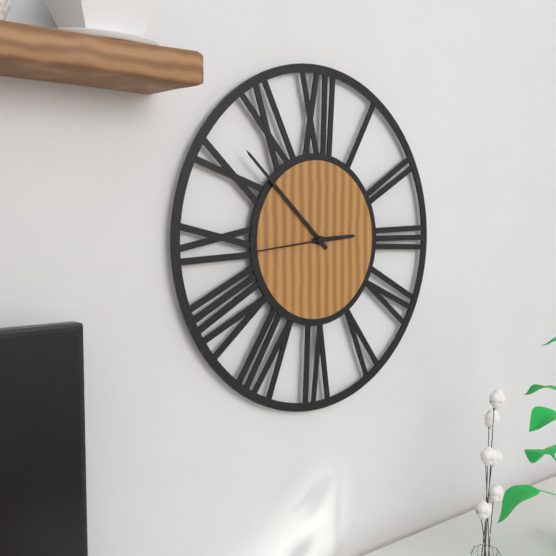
**2:52:44**
